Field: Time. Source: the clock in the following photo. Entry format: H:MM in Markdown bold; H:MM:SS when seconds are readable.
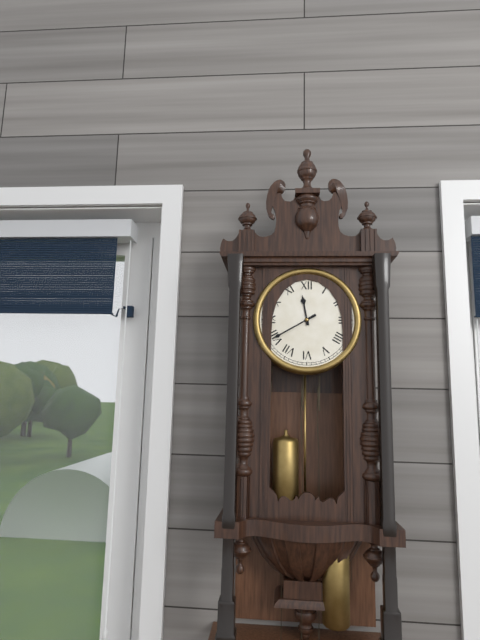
**11:40**
